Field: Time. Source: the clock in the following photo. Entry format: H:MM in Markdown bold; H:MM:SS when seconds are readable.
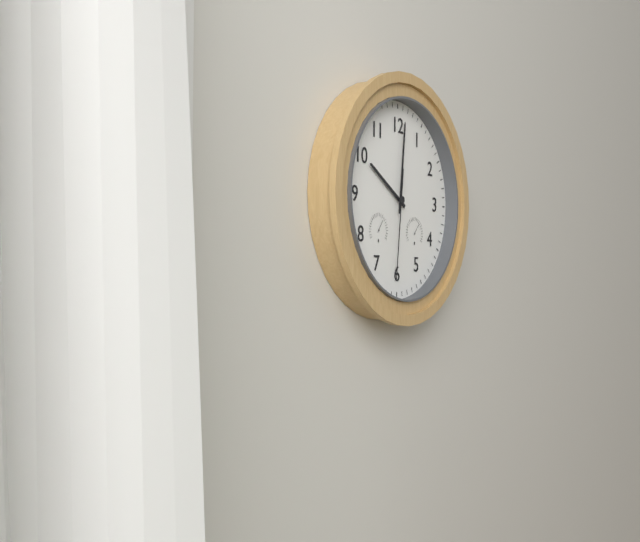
**10:01:31**
